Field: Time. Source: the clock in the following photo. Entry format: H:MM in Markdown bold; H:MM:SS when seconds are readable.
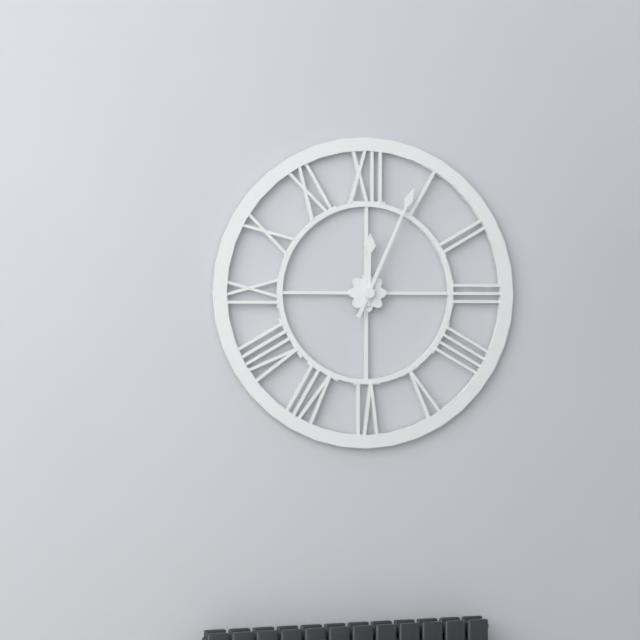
**12:04**
